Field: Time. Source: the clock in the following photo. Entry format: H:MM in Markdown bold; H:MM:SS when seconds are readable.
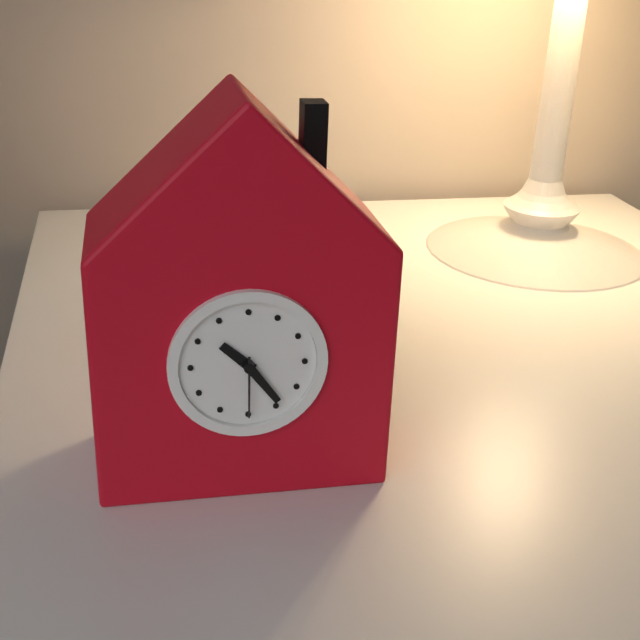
**10:24:30**
